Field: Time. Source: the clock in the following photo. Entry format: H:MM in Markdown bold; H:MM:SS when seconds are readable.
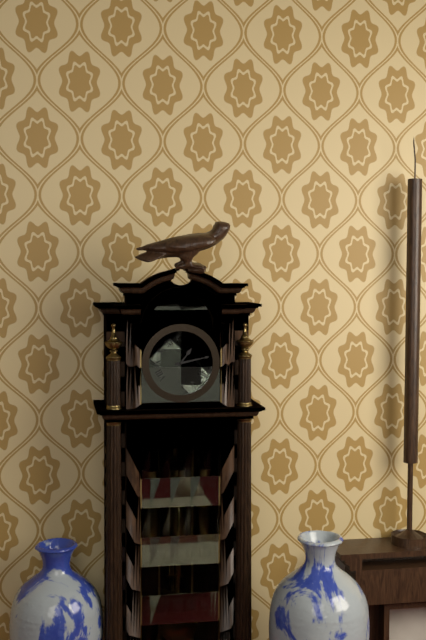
**1:13**
